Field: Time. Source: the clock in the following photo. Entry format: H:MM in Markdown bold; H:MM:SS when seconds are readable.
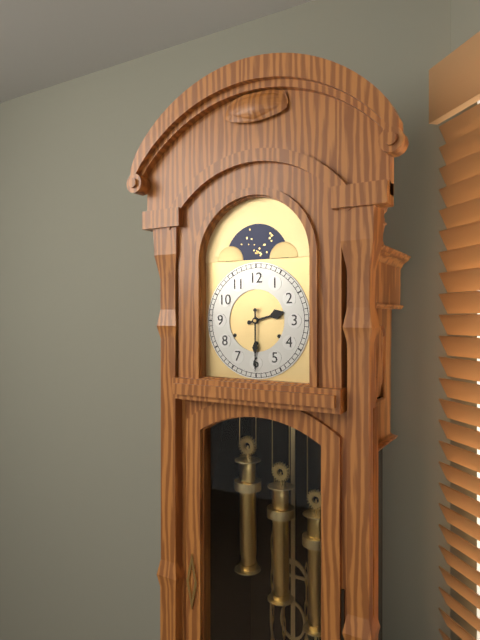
**2:30**
